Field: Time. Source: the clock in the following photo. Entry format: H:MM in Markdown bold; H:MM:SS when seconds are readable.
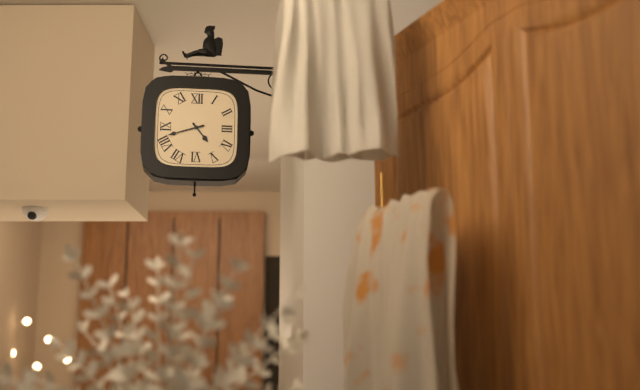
**4:42**
